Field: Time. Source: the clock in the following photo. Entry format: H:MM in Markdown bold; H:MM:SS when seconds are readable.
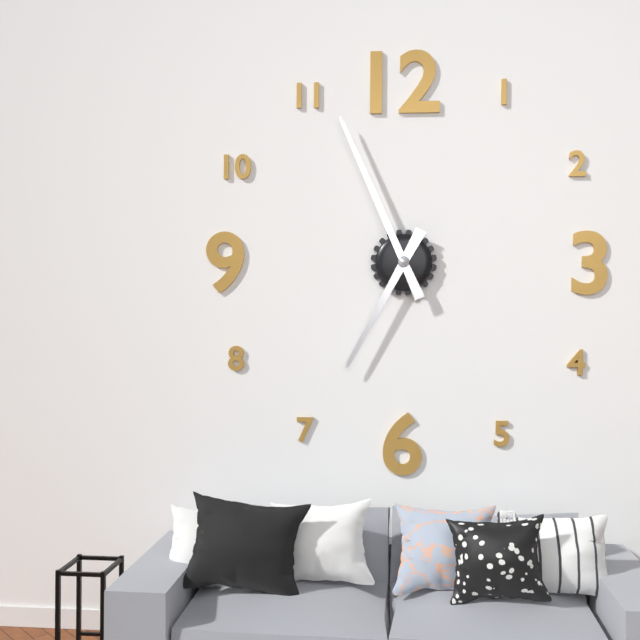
**6:56**
